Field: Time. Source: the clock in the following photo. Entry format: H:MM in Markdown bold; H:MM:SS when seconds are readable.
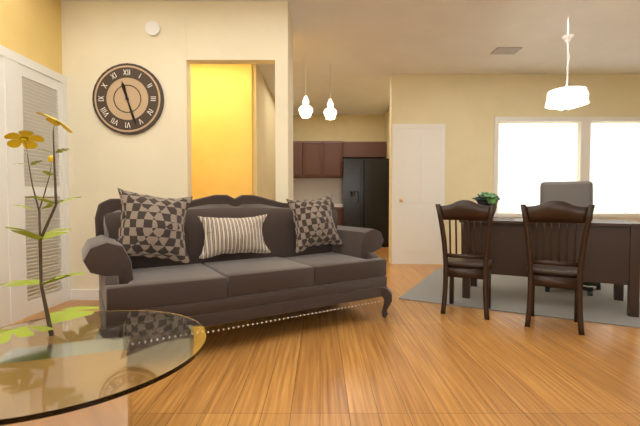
**11:27**
